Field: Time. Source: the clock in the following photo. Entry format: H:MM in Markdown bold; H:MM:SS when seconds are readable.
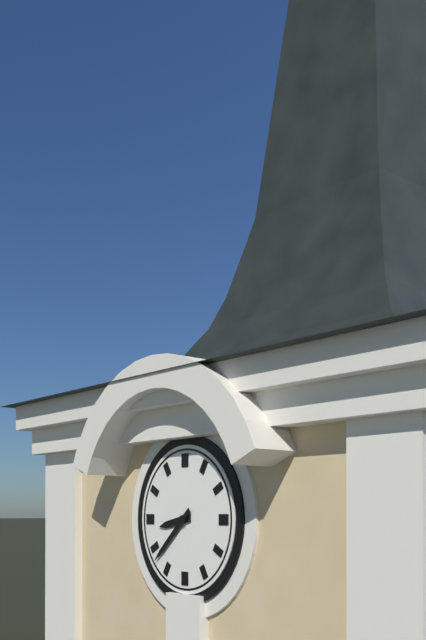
**8:38**
